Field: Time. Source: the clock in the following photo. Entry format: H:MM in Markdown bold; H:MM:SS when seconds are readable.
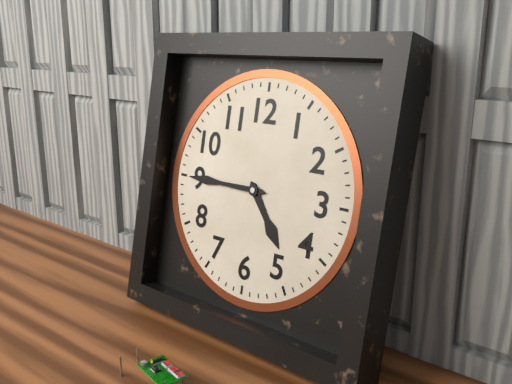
**4:45**
